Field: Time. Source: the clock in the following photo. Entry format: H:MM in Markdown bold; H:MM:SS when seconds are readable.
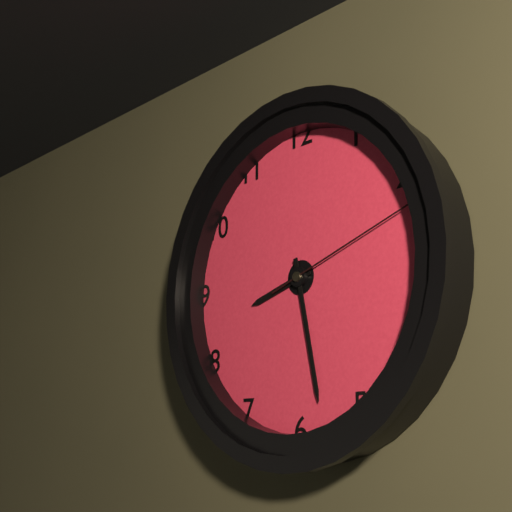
**8:28:12**
